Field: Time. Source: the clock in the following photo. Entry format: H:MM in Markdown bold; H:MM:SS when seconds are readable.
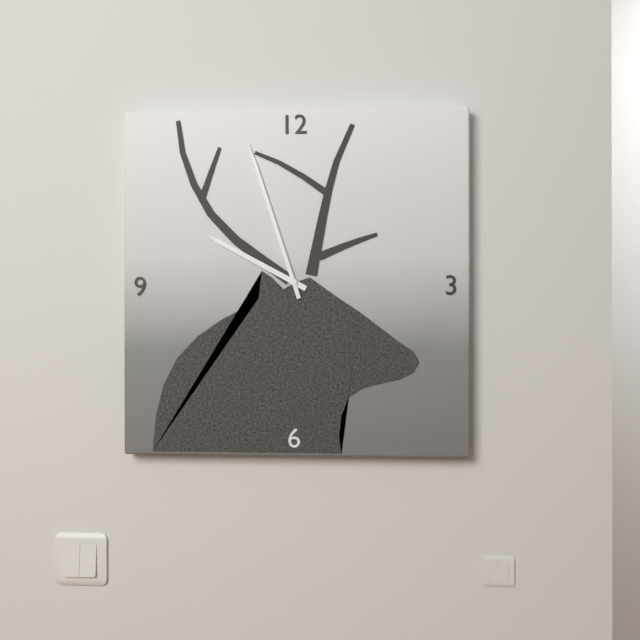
**9:57**
